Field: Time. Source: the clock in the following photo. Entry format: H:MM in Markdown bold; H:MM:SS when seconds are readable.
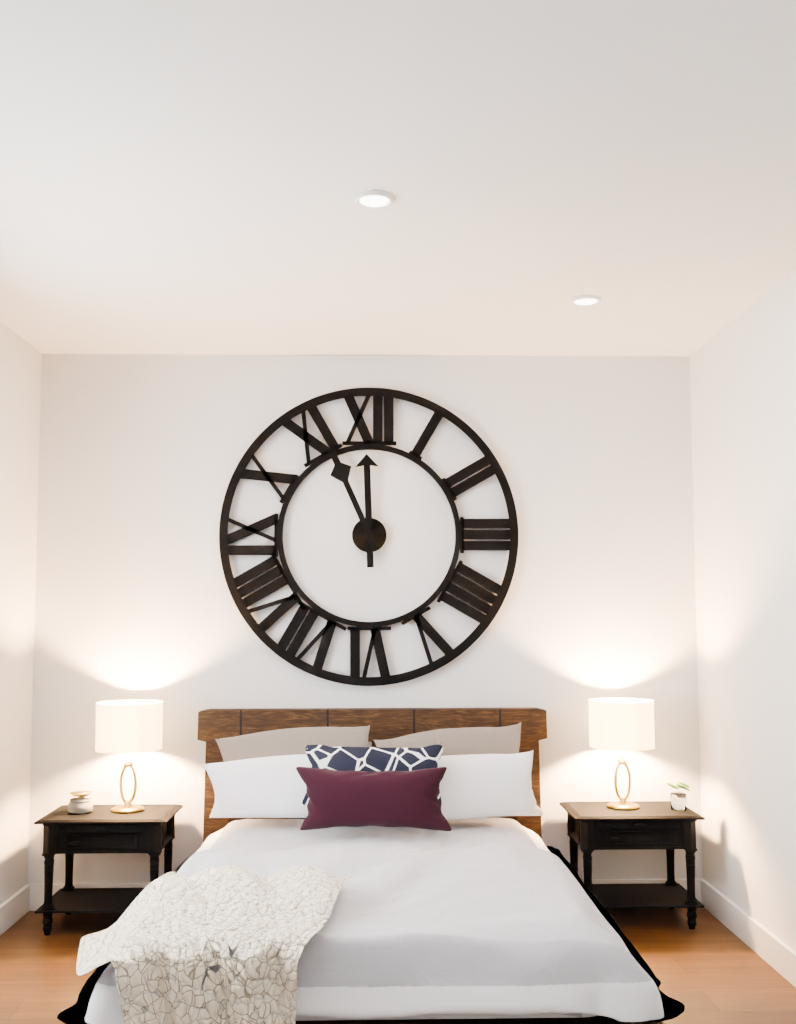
**11:56**
